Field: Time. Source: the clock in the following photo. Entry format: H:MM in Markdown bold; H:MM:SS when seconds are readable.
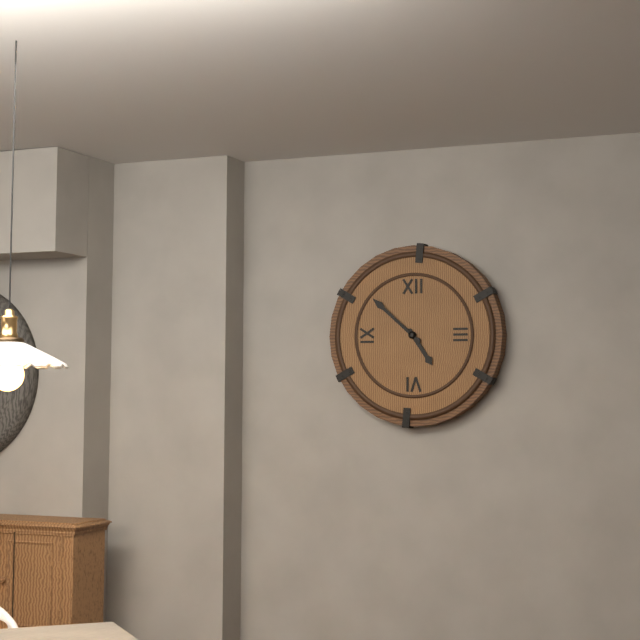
**4:52**
